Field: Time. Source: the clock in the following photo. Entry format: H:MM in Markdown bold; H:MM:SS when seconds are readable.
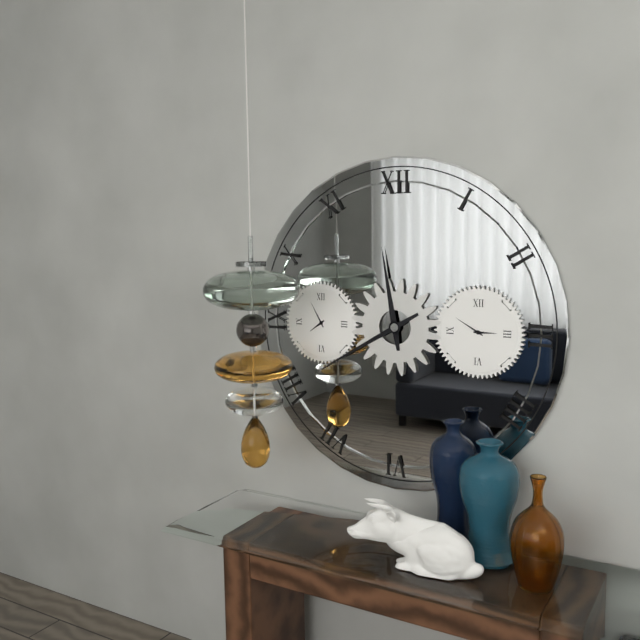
**11:40**
